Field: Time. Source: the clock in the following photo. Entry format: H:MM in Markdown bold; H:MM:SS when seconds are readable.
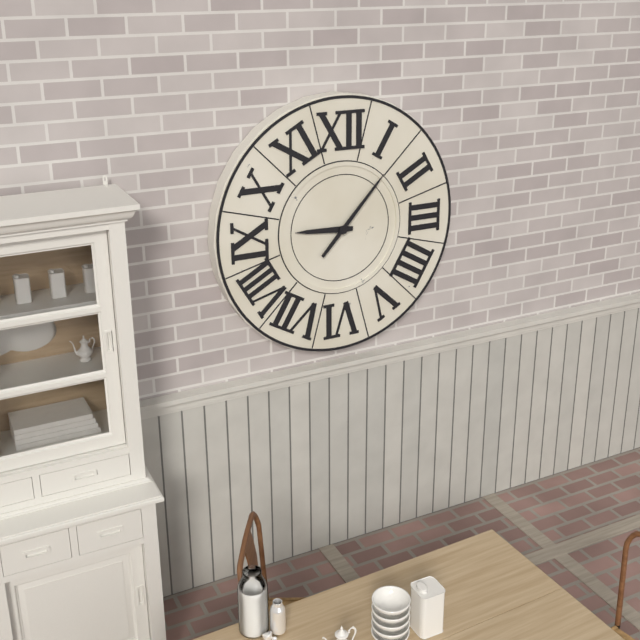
**9:07**
